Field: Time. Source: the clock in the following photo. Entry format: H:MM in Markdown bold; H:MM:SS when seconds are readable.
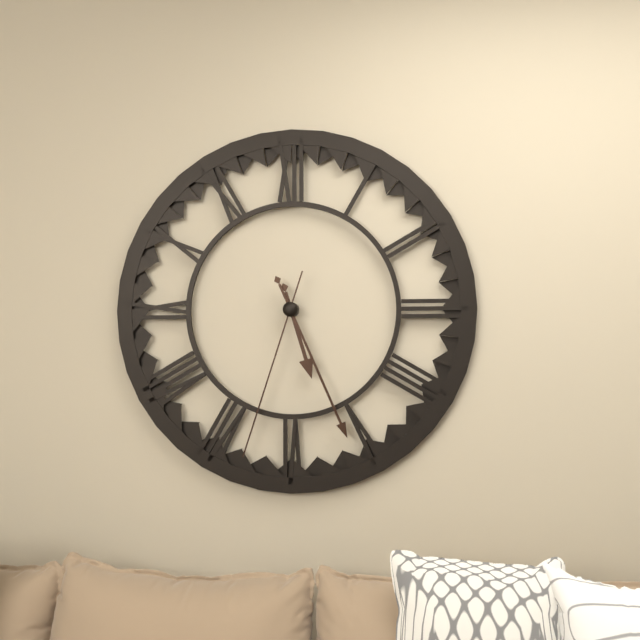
**5:26:33**
